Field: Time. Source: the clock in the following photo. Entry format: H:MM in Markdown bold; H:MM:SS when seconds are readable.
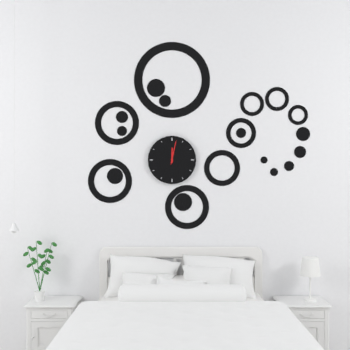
**12:02**
